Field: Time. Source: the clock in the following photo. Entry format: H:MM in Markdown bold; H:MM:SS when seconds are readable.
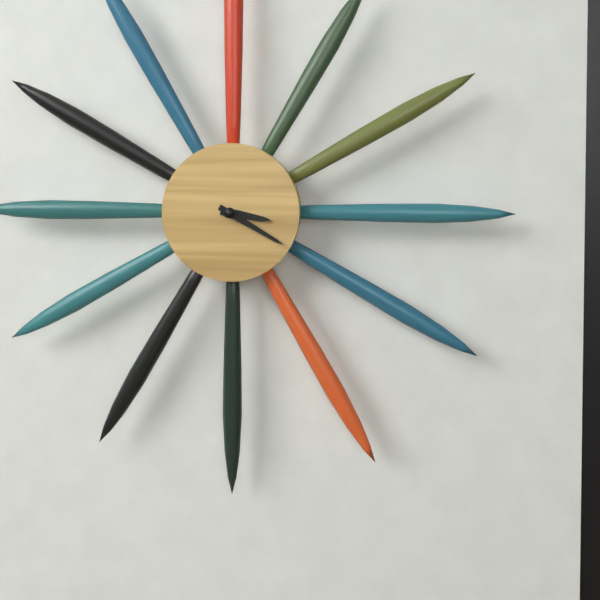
**3:20**
